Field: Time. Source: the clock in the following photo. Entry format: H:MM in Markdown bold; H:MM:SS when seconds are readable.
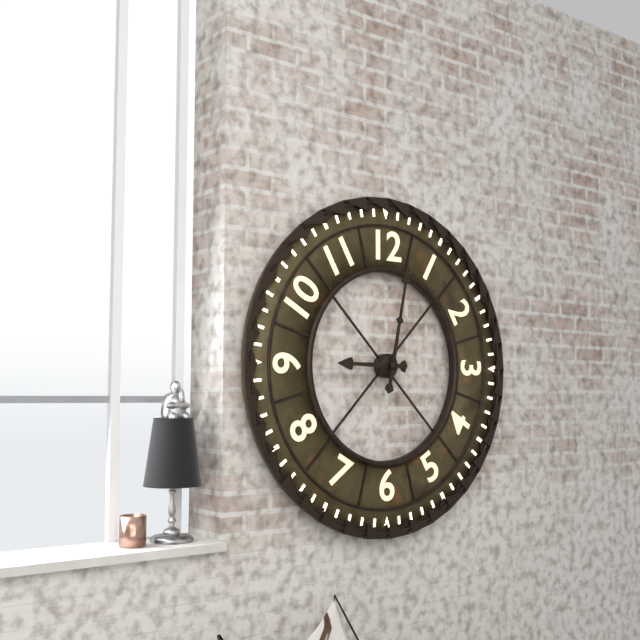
**9:02**
